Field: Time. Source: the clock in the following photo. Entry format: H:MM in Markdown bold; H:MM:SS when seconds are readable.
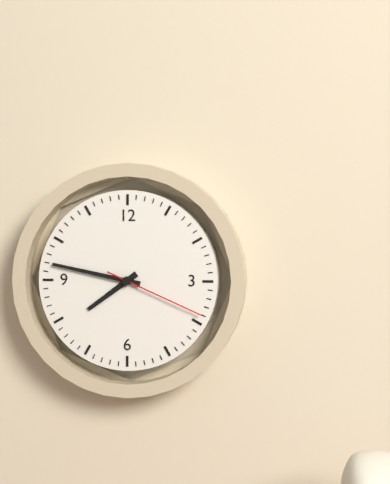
**7:47:19**
